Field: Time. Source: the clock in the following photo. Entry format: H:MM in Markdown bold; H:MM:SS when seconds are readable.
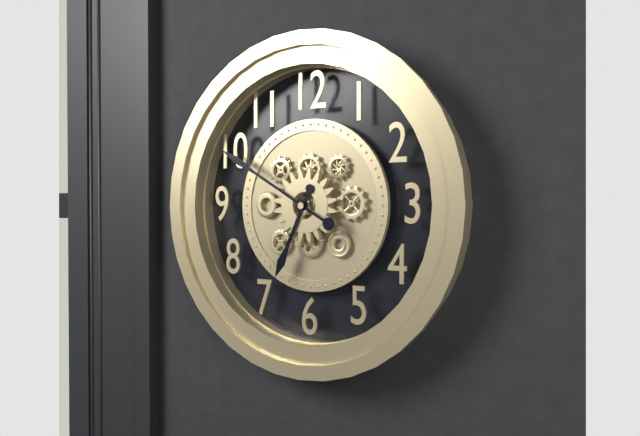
**6:50**
